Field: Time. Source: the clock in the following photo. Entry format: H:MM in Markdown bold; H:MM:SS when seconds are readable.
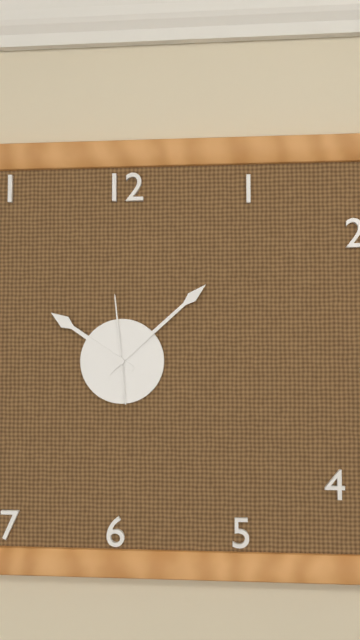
**10:08:59**
